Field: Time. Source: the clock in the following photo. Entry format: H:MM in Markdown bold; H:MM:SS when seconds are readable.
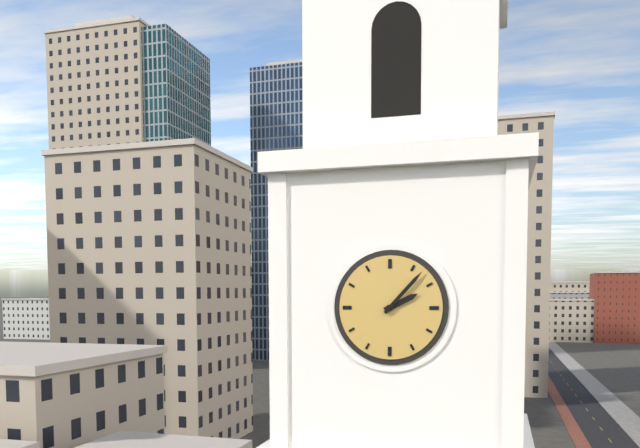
**2:07**
